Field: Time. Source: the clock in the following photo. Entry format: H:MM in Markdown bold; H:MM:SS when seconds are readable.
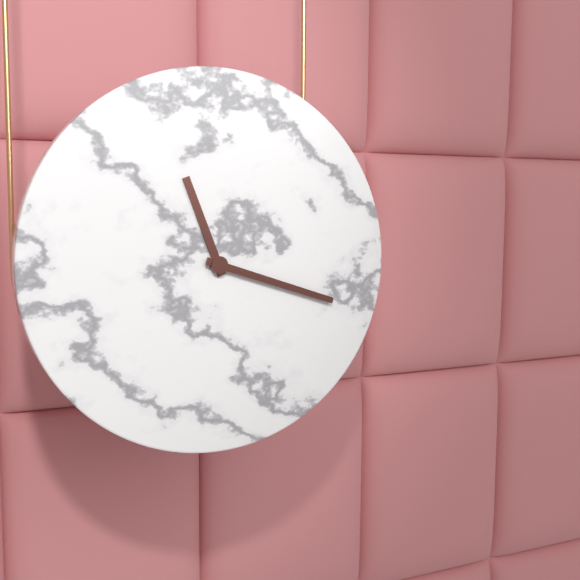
**11:18**
